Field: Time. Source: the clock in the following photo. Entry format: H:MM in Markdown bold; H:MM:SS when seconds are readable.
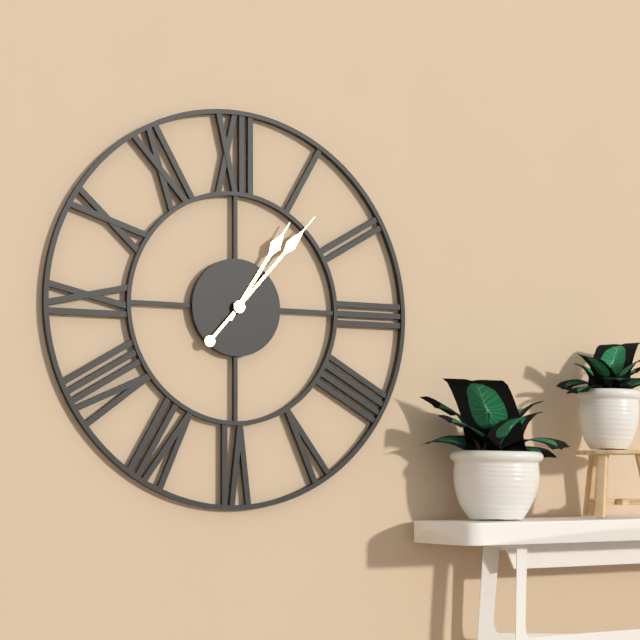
**1:07**
